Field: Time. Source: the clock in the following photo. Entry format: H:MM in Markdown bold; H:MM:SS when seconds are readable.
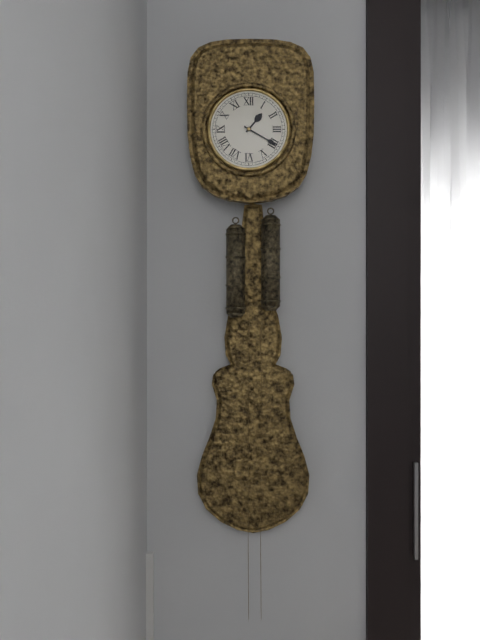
**1:20**
